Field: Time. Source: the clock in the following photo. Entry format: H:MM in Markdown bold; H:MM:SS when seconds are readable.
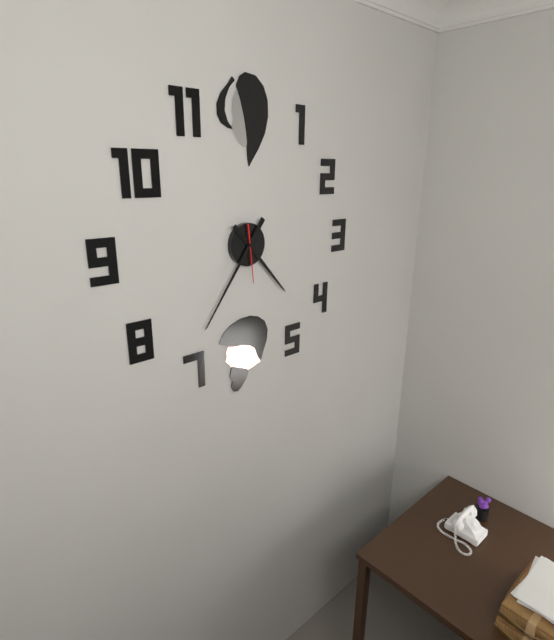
**4:36**
